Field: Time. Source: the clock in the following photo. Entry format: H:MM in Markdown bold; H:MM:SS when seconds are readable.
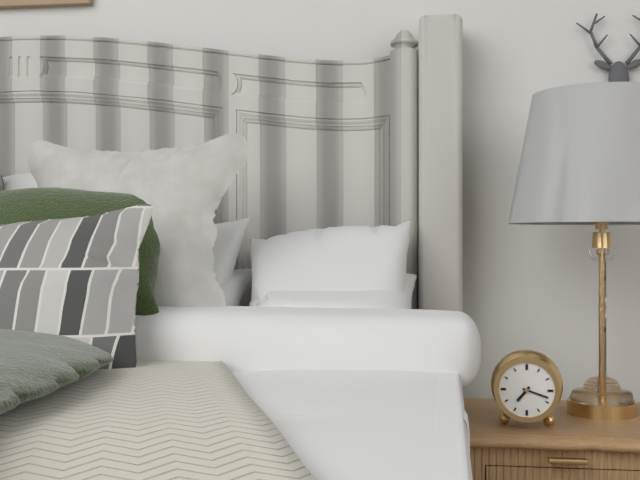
**7:18**
